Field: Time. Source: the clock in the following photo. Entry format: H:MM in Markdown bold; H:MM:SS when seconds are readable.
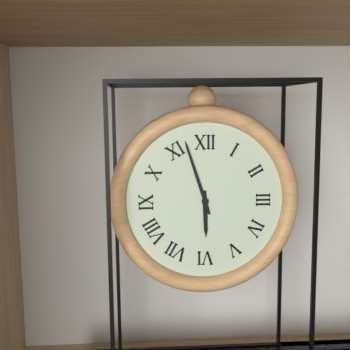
**5:57**
